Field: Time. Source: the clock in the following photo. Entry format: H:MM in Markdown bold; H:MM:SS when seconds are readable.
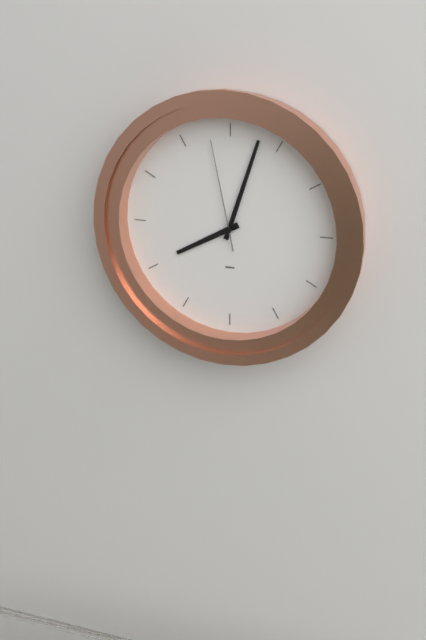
**8:03:58**
